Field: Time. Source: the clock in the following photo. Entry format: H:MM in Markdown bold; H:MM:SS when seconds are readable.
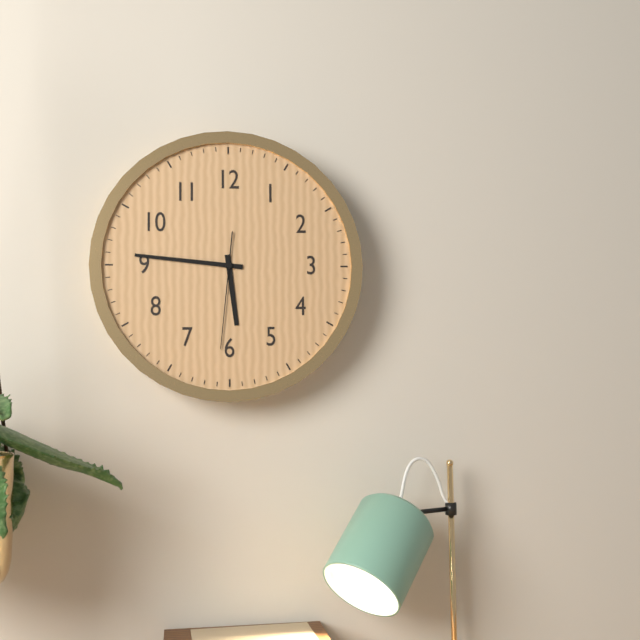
**5:46:31**
